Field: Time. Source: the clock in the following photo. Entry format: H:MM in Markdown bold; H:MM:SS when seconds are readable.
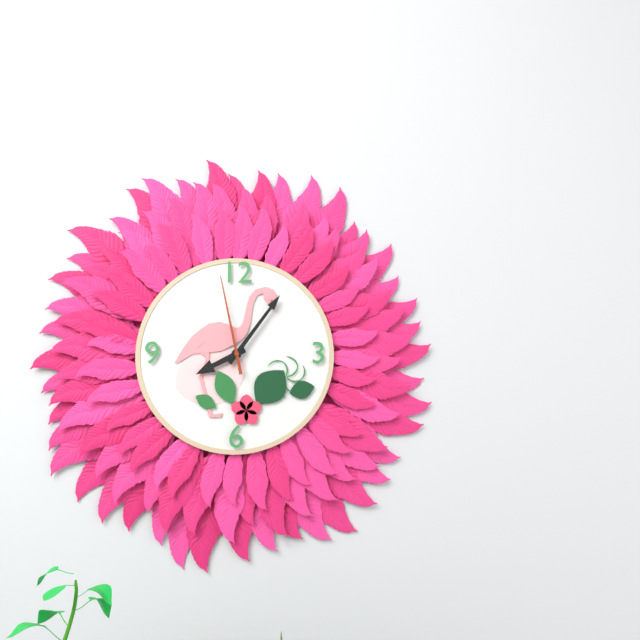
**8:06:58**
